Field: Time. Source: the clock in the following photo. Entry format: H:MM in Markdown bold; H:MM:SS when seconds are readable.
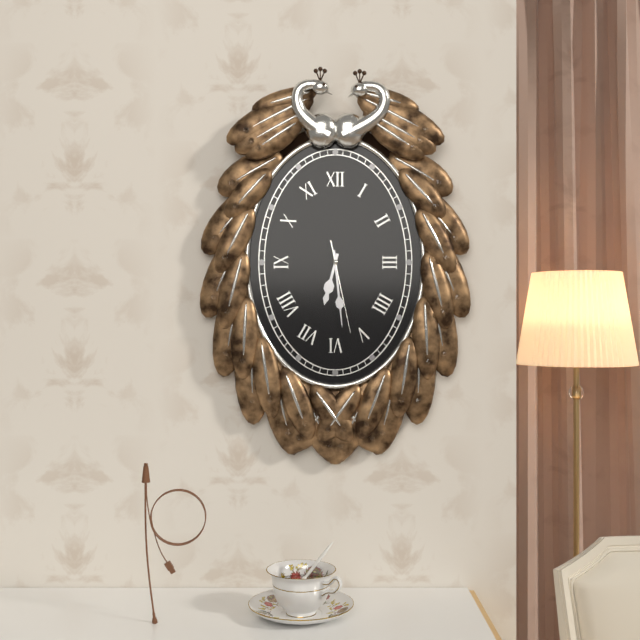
**6:29:28**
